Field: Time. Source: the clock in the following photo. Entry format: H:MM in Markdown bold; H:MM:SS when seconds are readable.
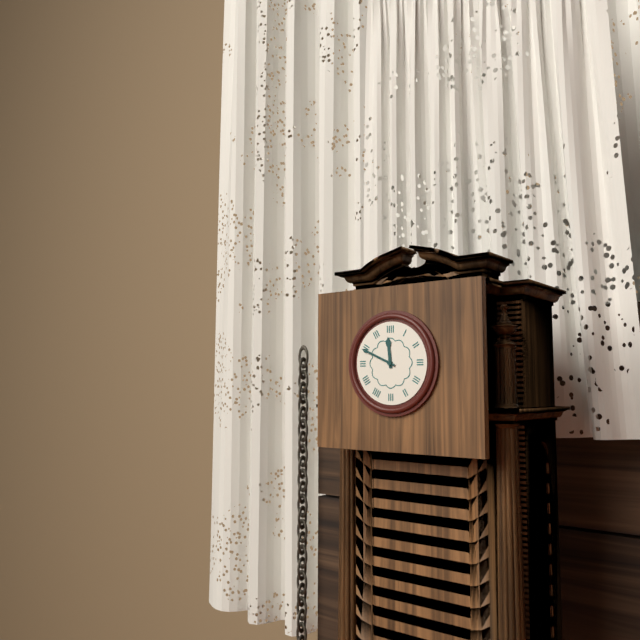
**11:49**
